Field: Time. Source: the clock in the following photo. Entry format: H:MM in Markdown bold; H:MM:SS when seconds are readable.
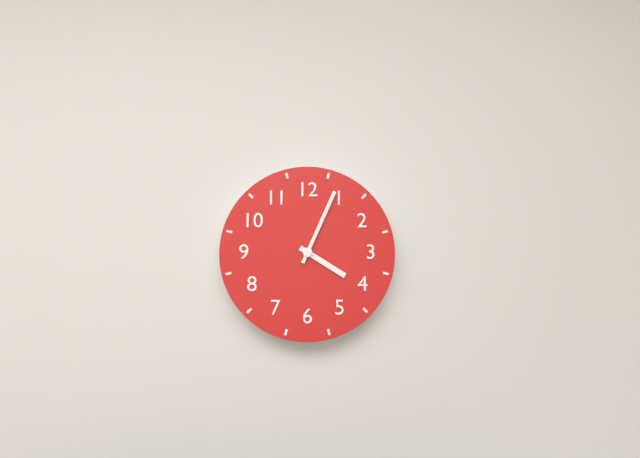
**4:04**
